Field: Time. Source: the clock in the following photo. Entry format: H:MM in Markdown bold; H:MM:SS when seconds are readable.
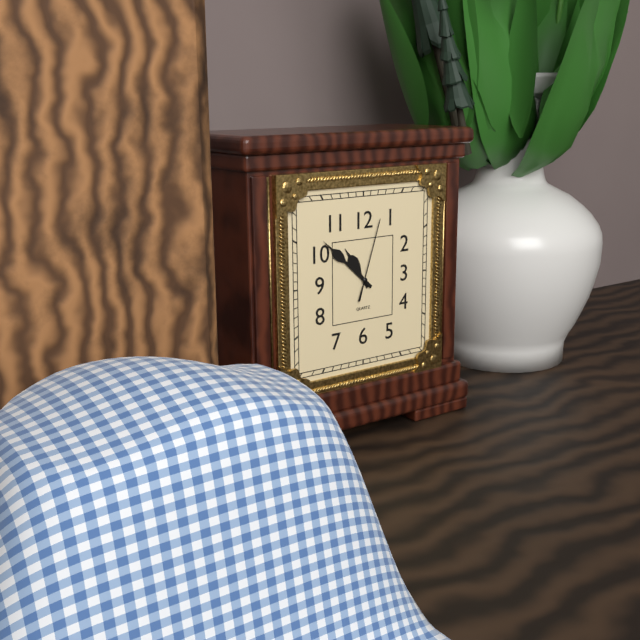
**10:52:03**
